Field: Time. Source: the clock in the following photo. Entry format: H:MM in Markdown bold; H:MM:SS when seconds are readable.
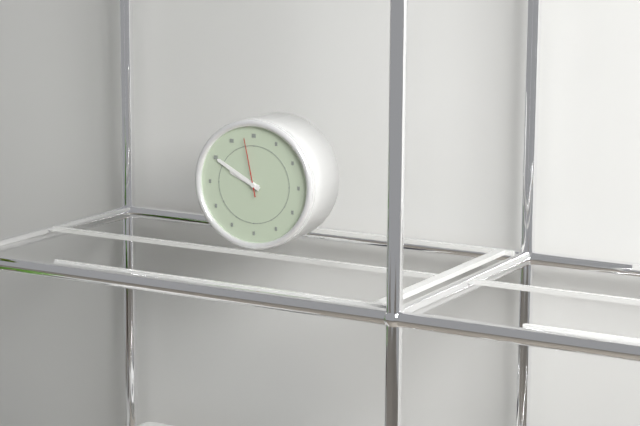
**9:50:58**
